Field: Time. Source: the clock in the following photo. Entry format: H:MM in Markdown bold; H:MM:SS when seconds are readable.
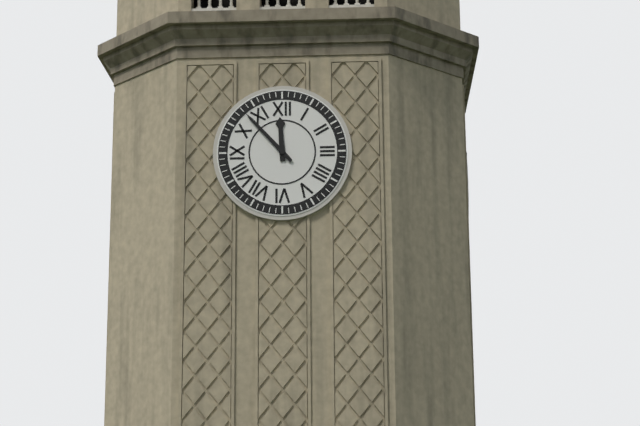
**11:53**
